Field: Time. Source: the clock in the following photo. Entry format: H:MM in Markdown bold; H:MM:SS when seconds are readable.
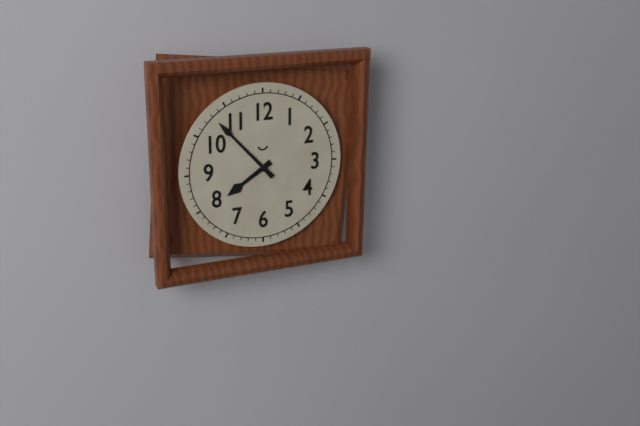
**7:53**
